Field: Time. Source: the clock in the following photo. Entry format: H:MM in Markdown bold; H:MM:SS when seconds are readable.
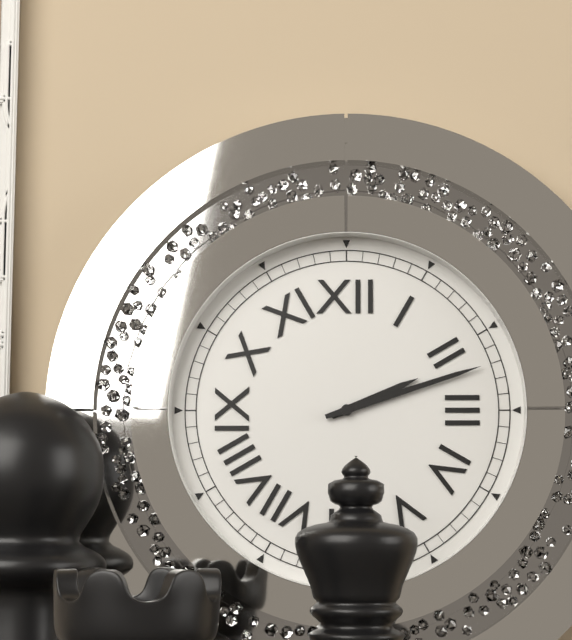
**2:12**
